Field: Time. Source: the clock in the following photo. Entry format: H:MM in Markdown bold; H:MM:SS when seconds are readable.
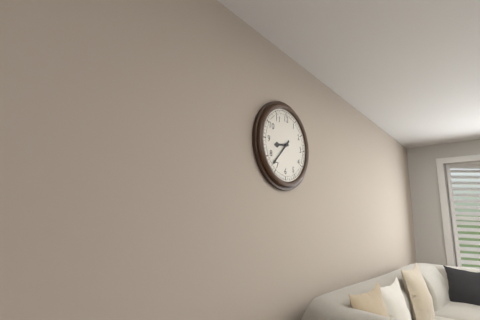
**8:37**
